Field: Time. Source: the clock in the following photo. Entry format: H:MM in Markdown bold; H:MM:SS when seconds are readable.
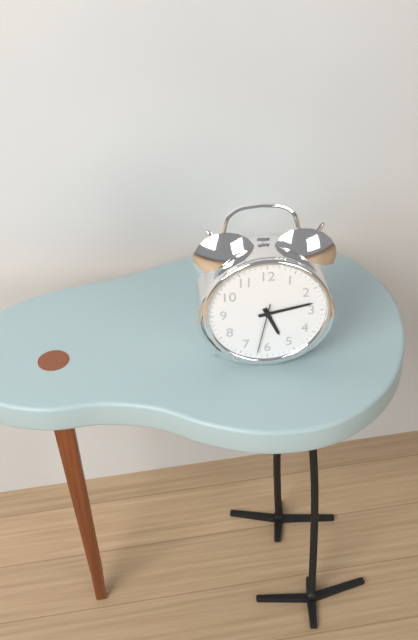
**5:13:32**
